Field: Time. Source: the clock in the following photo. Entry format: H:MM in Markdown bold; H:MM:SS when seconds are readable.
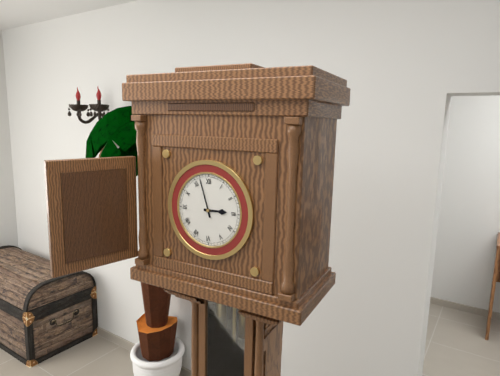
**2:57**
